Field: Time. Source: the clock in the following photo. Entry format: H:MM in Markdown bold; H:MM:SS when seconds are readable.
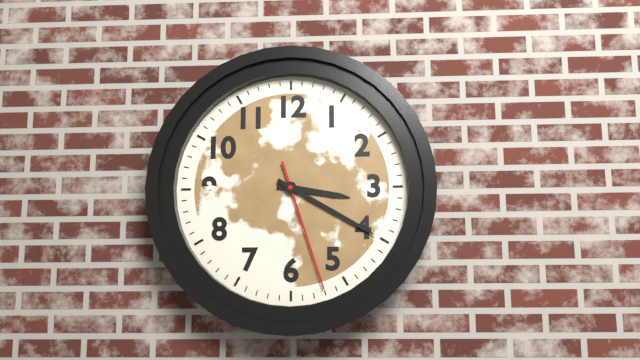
**3:20:27**
